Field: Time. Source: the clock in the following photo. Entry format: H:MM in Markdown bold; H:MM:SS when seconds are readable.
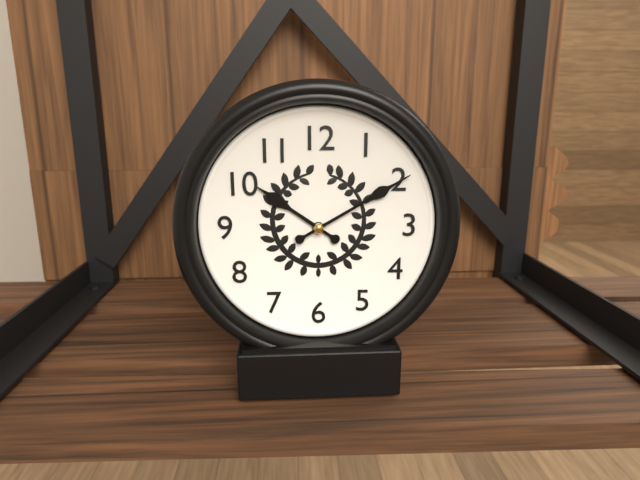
**10:10**
